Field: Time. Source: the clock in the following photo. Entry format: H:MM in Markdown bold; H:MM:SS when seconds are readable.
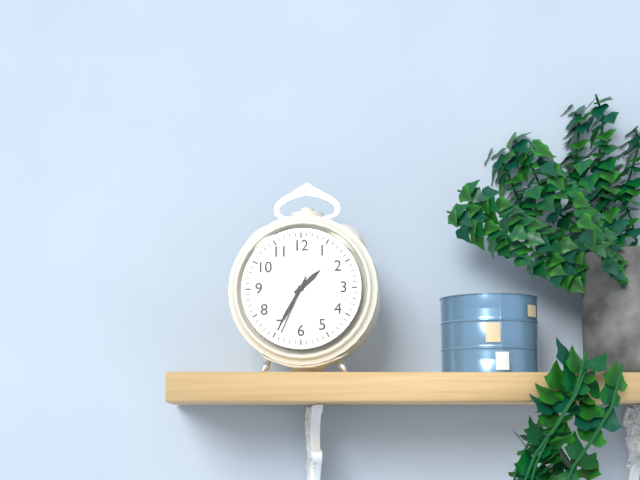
**1:35:34**
